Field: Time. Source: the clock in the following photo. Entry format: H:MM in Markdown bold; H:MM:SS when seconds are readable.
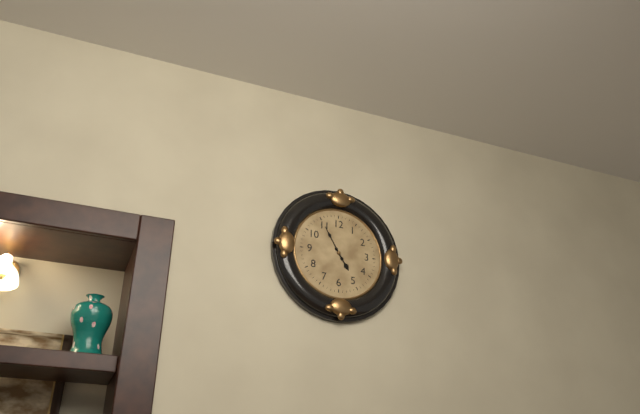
**4:55**
